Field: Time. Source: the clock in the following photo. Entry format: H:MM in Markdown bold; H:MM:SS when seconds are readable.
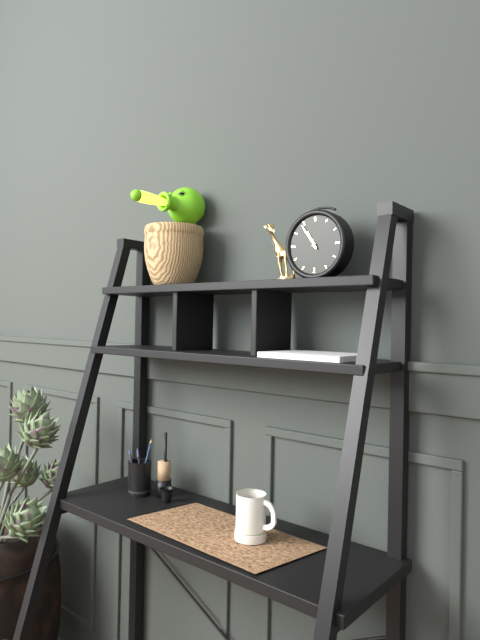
**10:54**
